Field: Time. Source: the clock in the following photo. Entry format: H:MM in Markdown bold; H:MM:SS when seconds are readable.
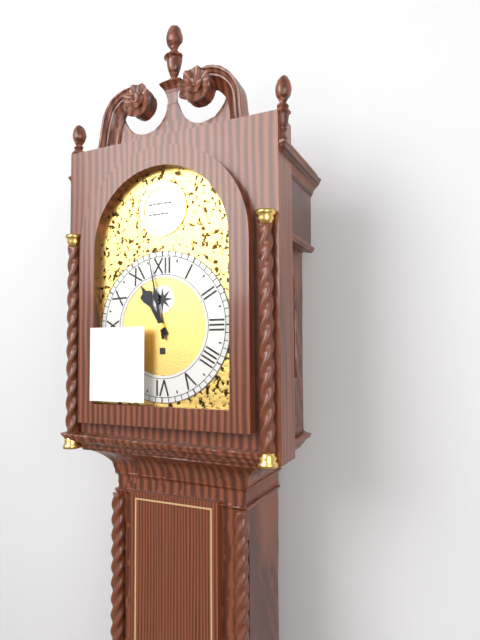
**10:58**
